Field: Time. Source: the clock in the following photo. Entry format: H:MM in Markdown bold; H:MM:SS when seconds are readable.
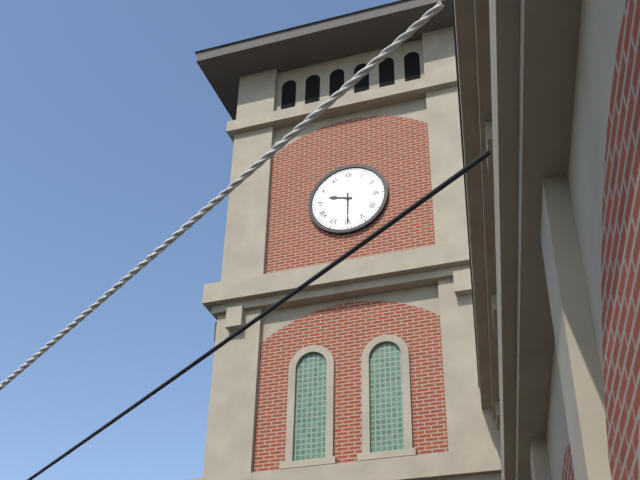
**9:30**
